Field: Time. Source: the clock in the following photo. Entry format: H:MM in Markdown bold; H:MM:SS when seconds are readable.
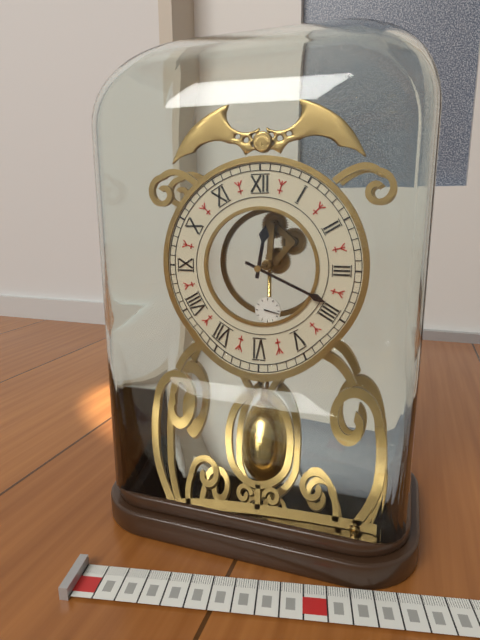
**12:19**
